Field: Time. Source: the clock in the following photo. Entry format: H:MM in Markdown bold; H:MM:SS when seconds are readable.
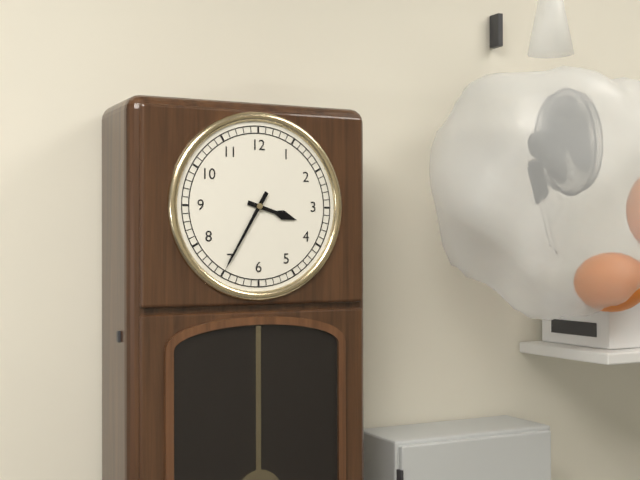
**3:35**
